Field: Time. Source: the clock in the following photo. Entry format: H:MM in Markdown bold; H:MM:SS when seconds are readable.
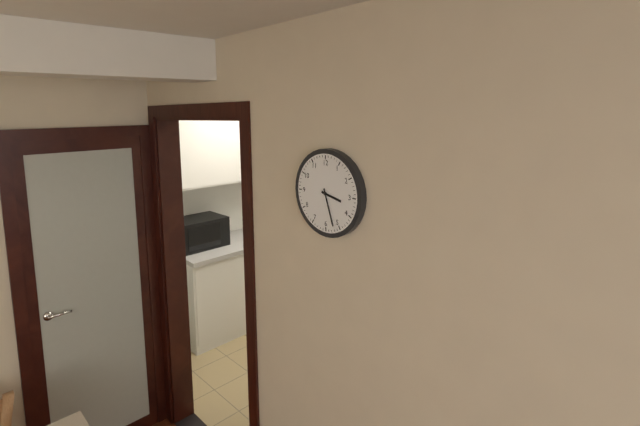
**3:27**
